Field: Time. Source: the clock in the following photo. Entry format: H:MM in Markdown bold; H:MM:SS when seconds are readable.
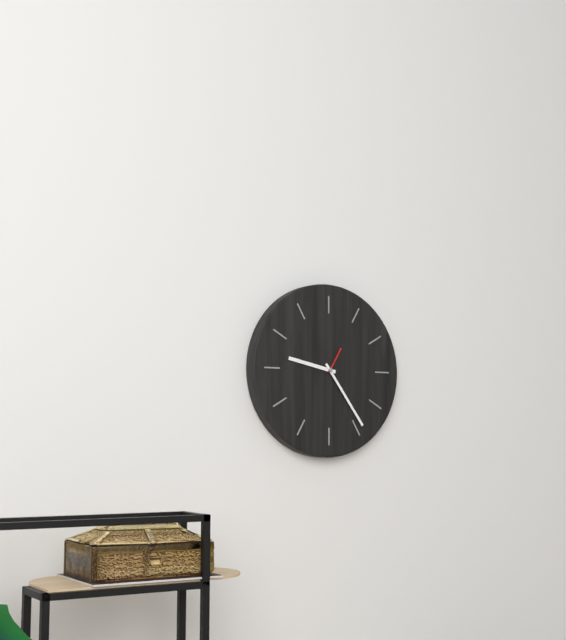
**9:24**
